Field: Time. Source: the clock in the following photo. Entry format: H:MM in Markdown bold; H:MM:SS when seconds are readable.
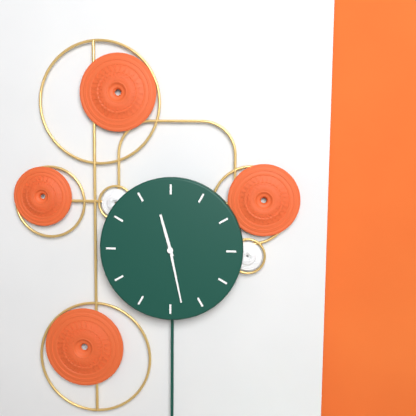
**11:28**
